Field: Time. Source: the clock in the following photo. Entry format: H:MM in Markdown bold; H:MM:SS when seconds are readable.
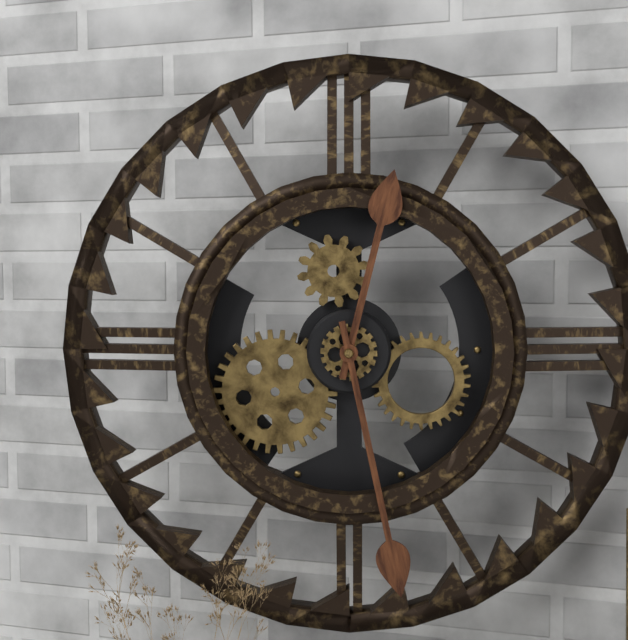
**12:28**
